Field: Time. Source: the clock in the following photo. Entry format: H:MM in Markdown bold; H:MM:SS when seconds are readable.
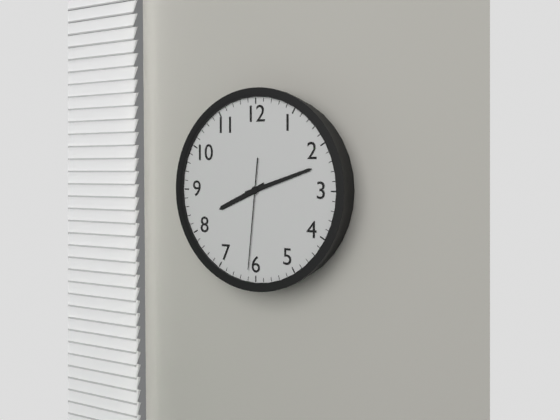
**8:12:31**
